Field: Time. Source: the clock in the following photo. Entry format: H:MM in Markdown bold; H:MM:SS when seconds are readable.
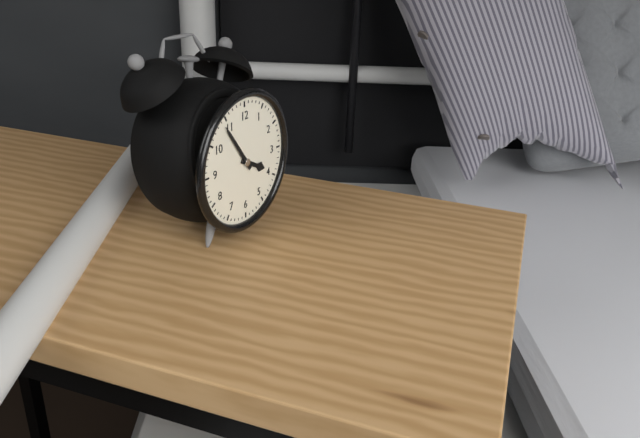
**3:54**
